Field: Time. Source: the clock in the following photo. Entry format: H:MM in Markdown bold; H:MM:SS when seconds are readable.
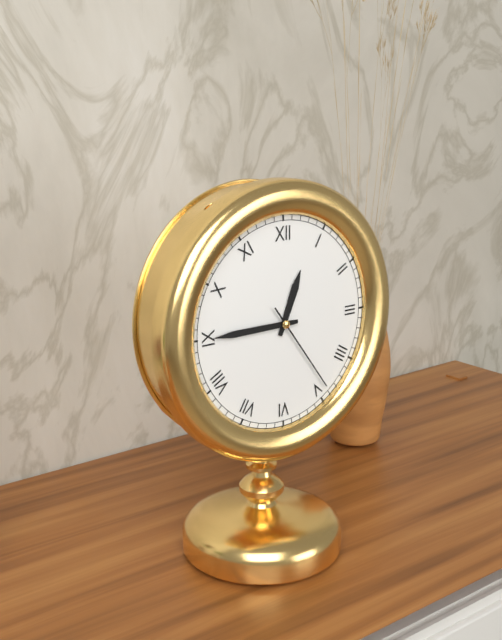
**12:45:24**
